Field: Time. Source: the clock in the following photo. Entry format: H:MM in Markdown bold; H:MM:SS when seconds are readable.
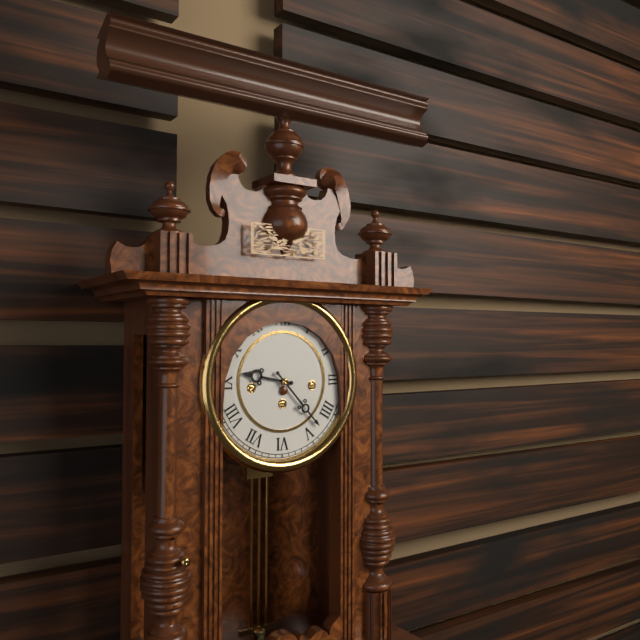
**9:23**
